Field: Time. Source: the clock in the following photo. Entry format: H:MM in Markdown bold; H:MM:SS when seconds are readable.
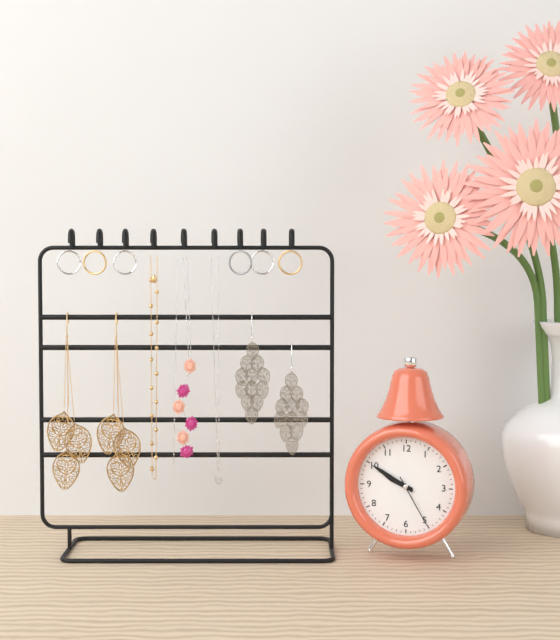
**9:50:25**
